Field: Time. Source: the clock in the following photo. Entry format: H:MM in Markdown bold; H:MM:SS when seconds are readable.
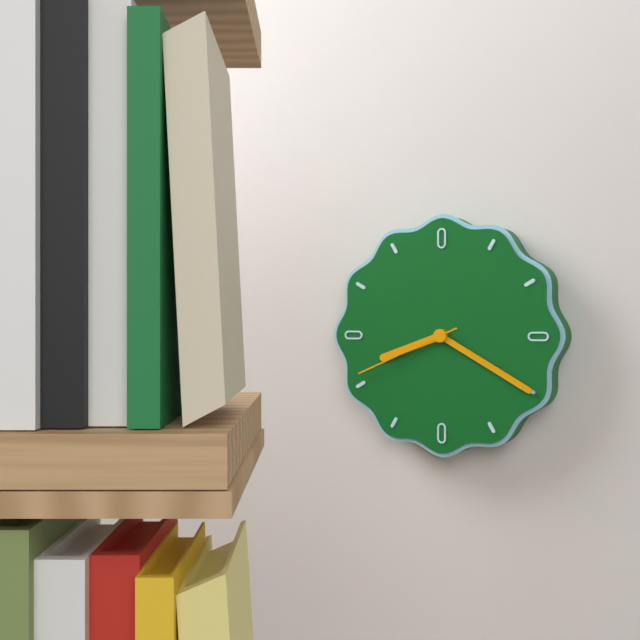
**8:20:41**
